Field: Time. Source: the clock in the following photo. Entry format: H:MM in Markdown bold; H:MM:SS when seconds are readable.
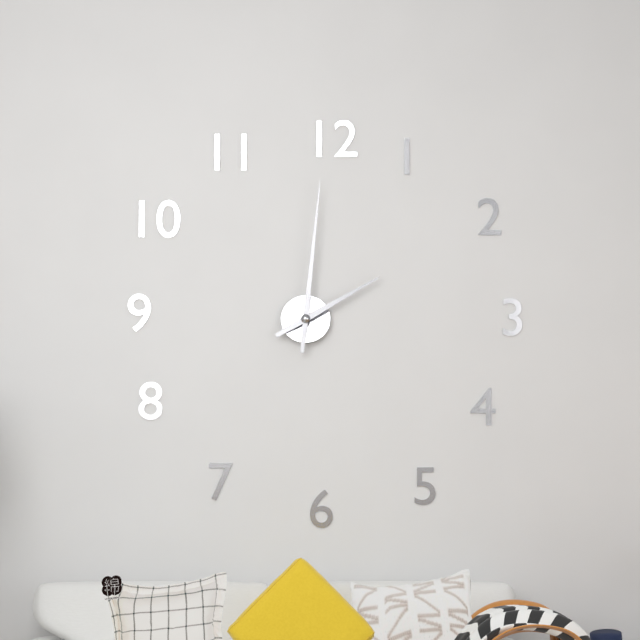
**2:01**
